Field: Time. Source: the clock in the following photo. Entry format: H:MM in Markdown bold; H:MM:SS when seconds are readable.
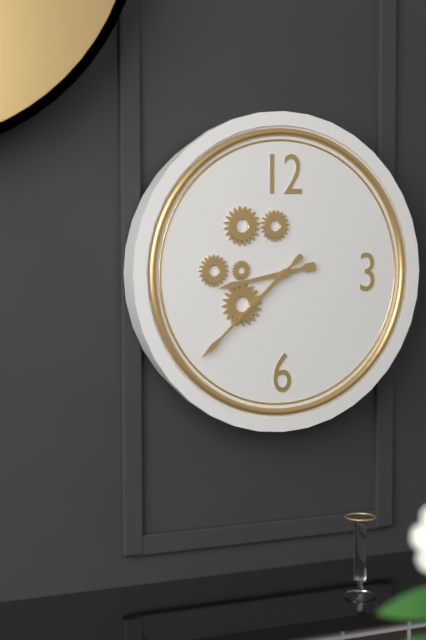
**8:38**
